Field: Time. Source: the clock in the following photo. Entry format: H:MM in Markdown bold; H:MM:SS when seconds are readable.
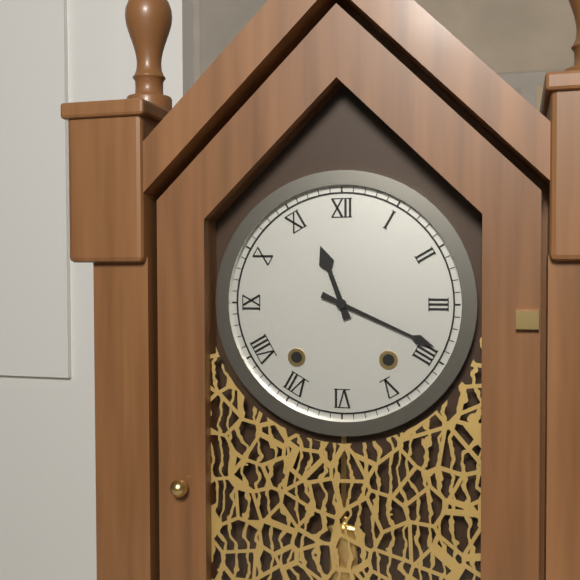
**11:19**
